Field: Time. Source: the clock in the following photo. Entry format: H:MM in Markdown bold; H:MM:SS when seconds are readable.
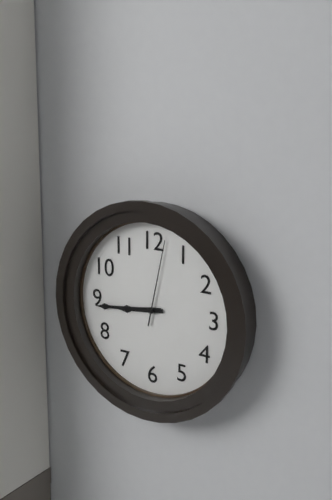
**8:44:02**
